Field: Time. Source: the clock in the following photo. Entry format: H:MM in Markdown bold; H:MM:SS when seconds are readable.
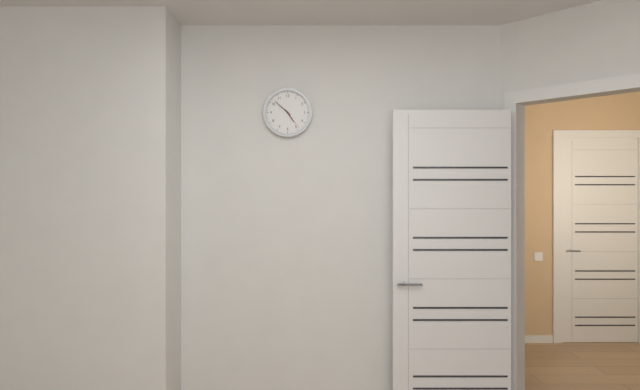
**4:52**
